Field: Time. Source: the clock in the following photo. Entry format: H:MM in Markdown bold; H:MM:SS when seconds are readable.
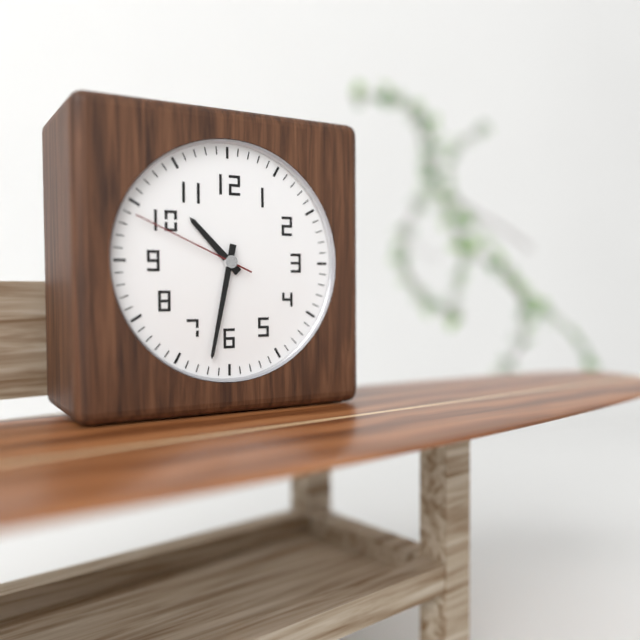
**10:32:49**
